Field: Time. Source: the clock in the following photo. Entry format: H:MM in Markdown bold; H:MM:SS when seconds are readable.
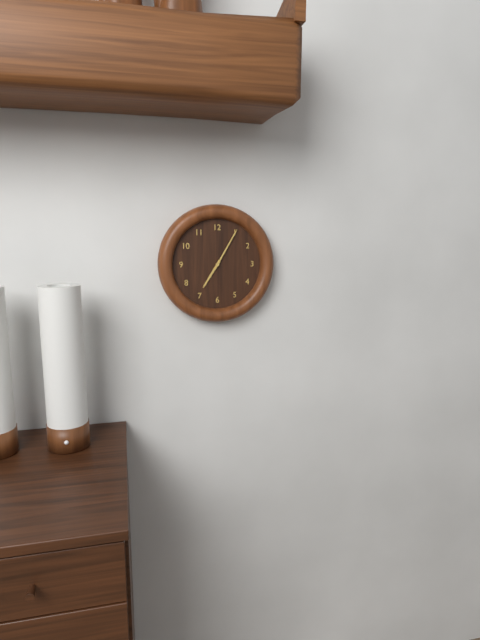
**7:05**
